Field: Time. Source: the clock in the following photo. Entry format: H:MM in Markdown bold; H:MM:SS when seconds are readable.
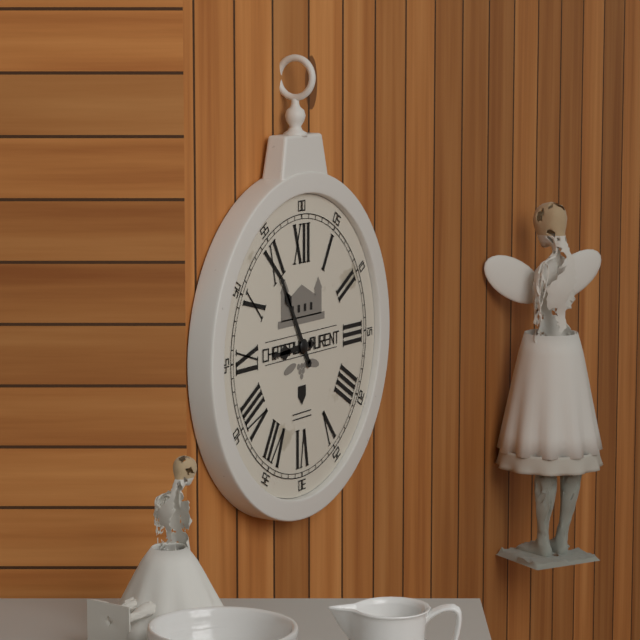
**8:55**
